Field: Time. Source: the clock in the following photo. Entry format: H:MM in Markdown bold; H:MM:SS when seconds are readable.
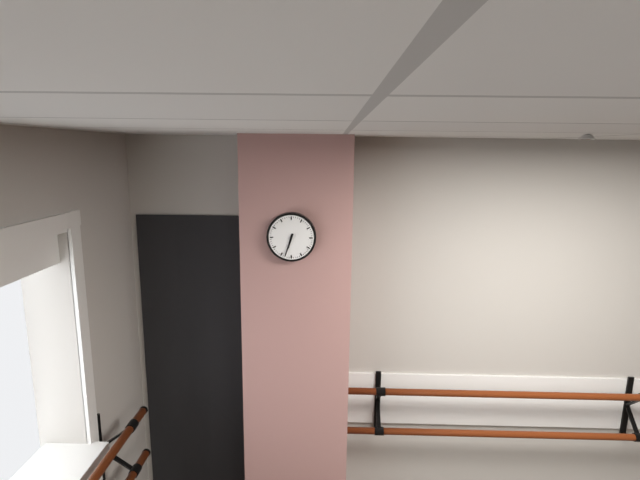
**6:33**
